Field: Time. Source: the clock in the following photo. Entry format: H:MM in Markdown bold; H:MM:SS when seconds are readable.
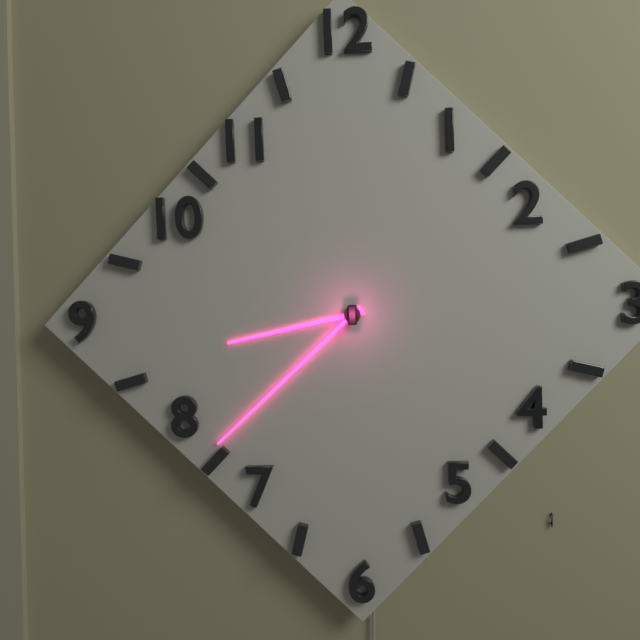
**8:38**
